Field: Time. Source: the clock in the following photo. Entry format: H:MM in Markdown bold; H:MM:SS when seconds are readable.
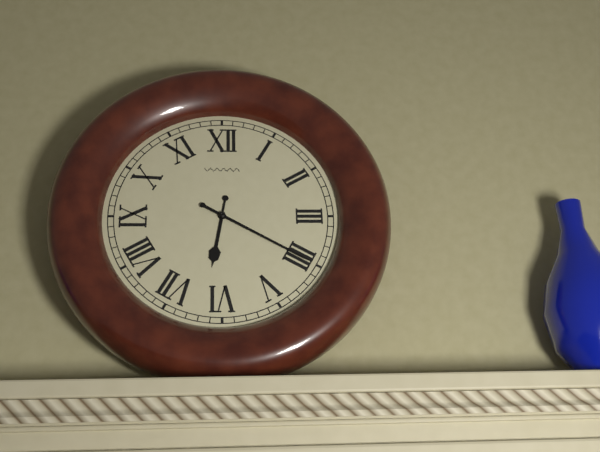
**6:20**
